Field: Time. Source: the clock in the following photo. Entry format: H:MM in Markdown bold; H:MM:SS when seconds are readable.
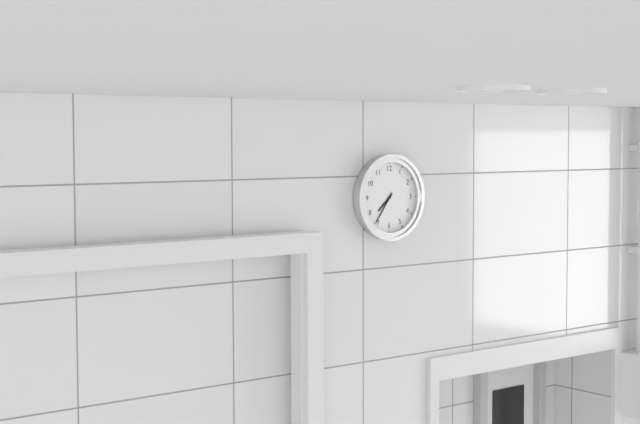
**7:36**
